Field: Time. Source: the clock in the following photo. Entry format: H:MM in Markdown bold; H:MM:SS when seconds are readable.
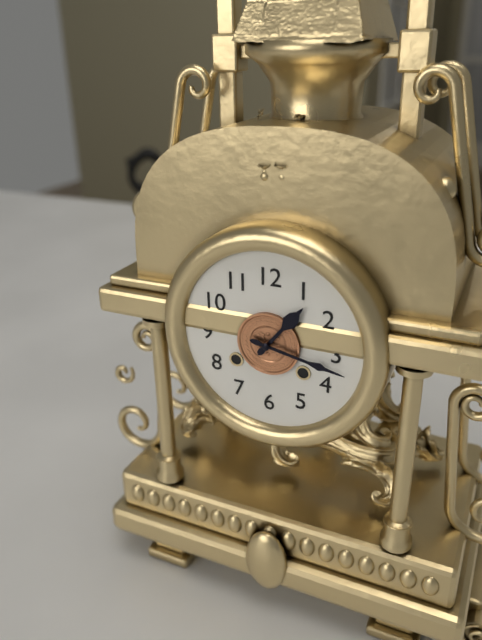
**1:17**
